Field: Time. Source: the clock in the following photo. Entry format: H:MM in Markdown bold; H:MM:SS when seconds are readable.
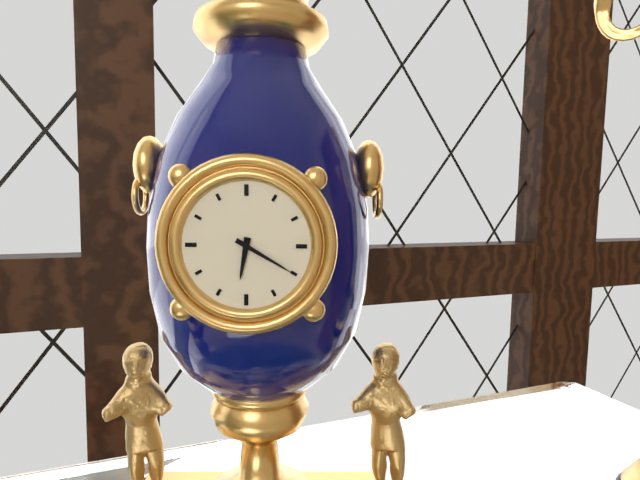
**6:20**
